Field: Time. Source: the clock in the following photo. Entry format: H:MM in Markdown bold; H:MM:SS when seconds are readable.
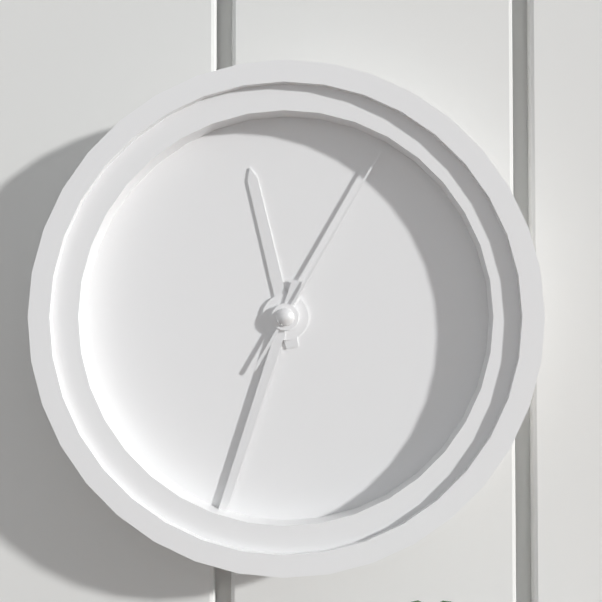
**11:33:05**
